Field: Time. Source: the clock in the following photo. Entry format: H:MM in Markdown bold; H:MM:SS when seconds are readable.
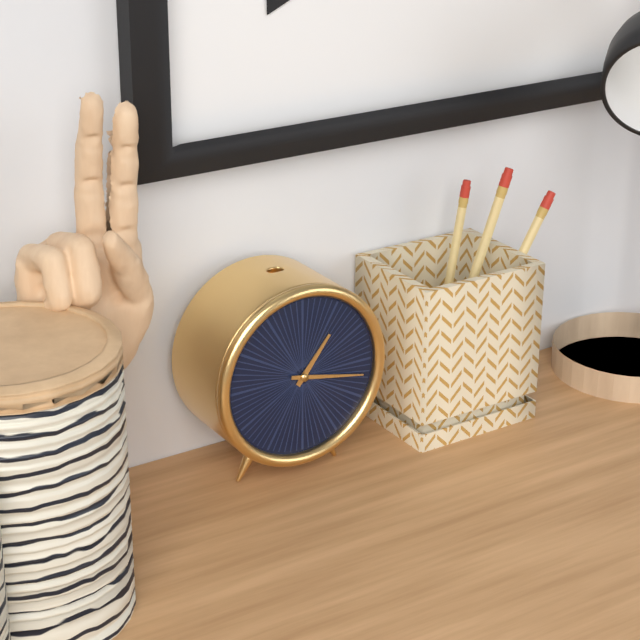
**1:17**
